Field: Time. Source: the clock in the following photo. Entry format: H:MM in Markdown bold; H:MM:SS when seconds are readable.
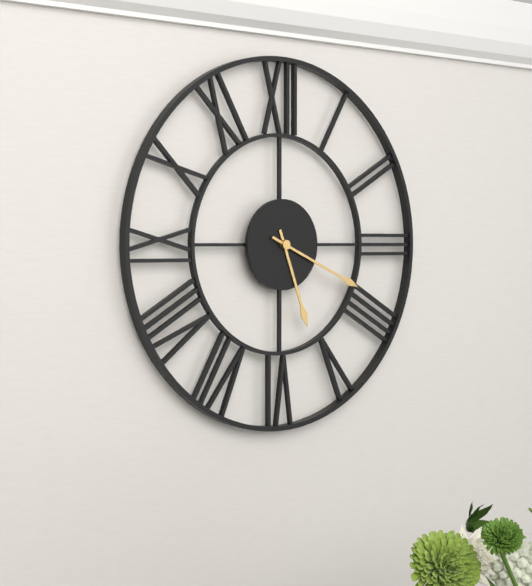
**5:19**
